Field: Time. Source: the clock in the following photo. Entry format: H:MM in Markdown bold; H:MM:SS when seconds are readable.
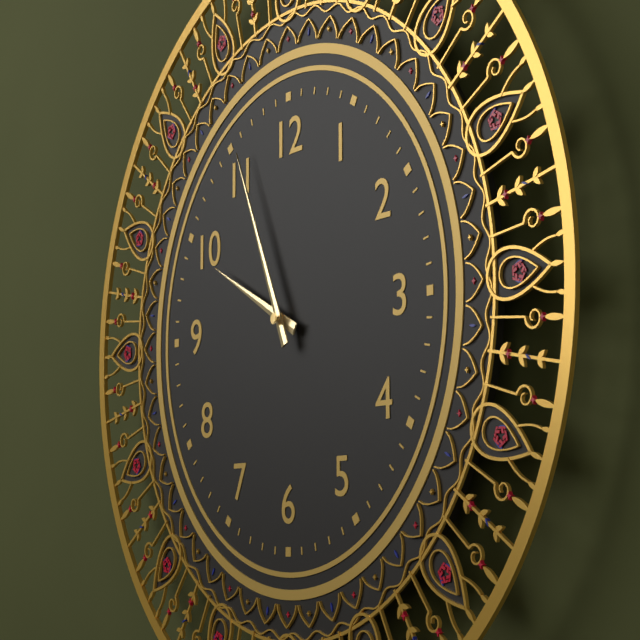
**9:56**
